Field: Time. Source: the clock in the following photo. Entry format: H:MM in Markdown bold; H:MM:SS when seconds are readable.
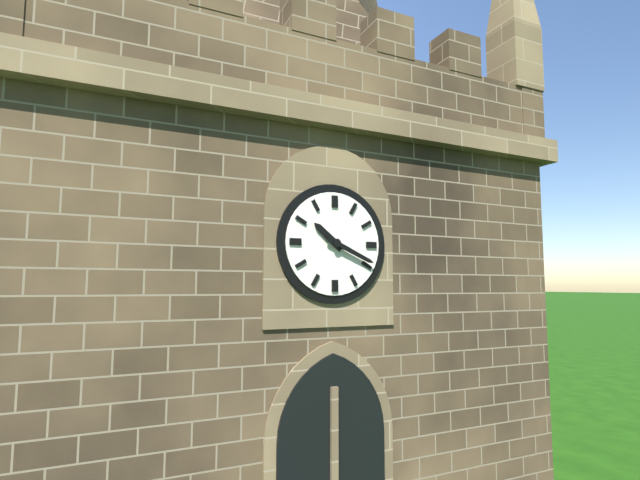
**10:19**
